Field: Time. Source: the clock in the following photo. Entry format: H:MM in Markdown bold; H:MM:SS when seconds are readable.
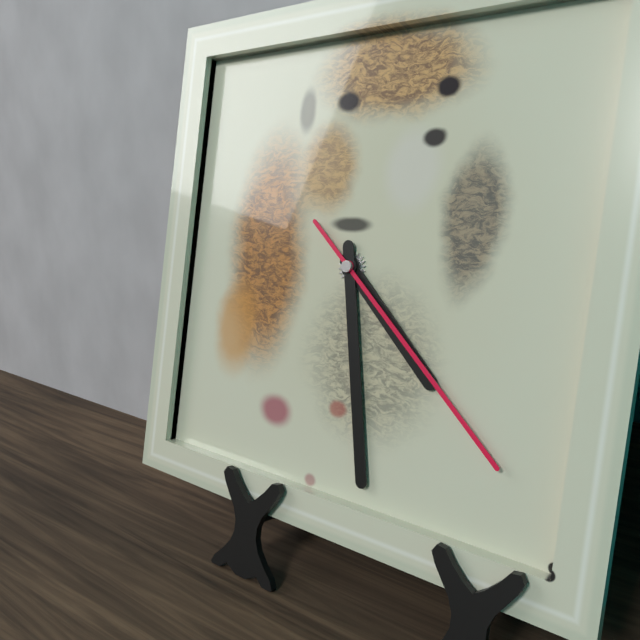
**4:28:22**
